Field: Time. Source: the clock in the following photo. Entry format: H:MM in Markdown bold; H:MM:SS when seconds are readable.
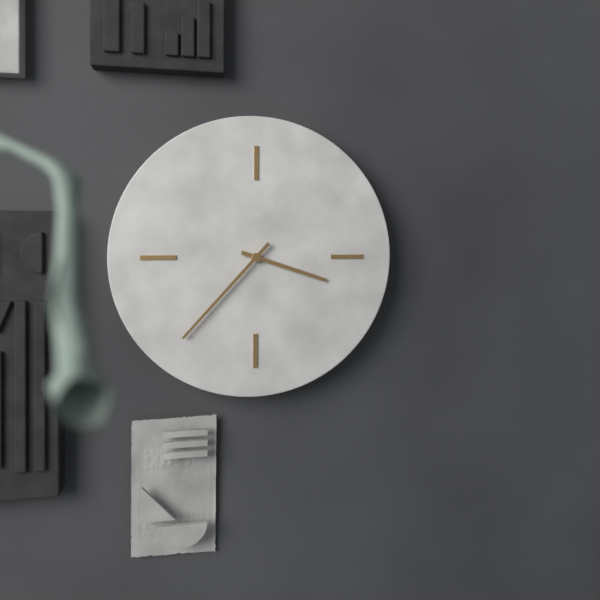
**3:37**
